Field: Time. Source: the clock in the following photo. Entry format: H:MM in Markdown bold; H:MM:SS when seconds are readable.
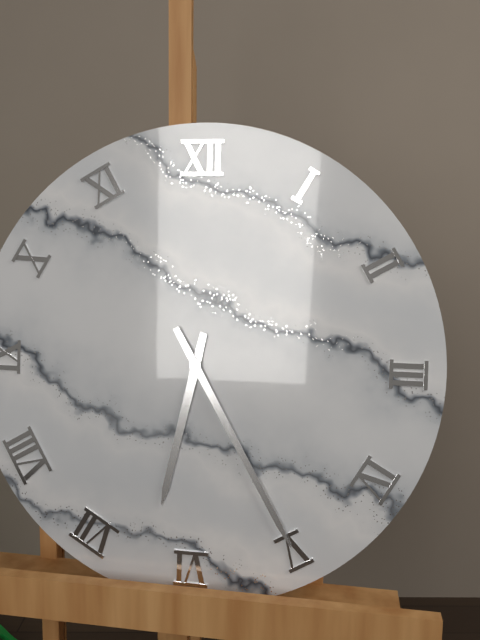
**6:25**
